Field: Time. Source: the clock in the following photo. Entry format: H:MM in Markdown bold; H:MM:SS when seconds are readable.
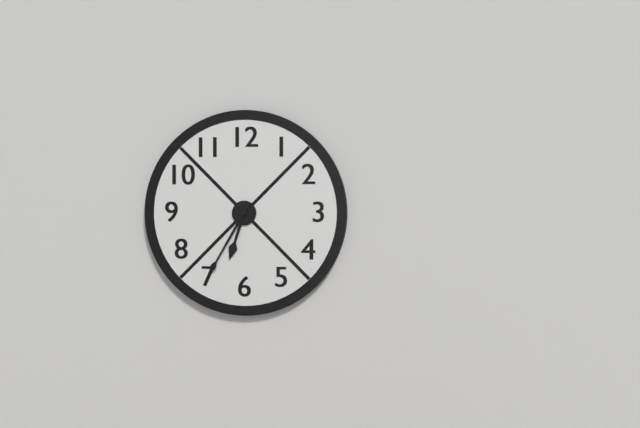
**6:35**
